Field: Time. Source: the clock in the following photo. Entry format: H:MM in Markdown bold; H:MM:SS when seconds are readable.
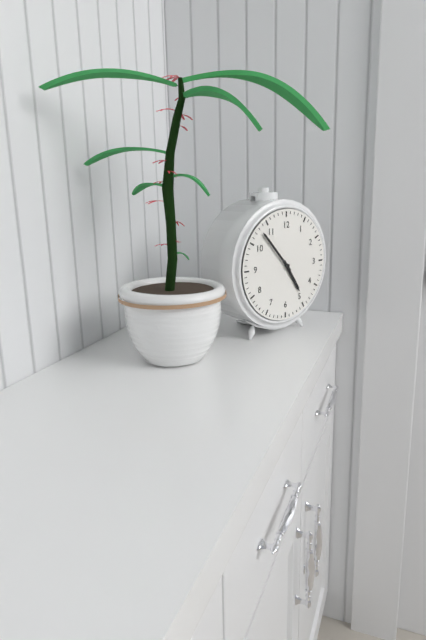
**4:53**
